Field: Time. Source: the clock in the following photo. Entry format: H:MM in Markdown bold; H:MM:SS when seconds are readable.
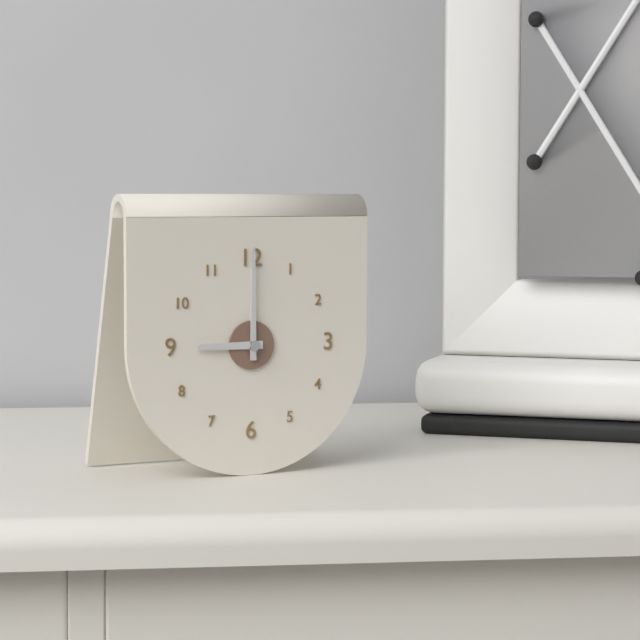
**9:00**
